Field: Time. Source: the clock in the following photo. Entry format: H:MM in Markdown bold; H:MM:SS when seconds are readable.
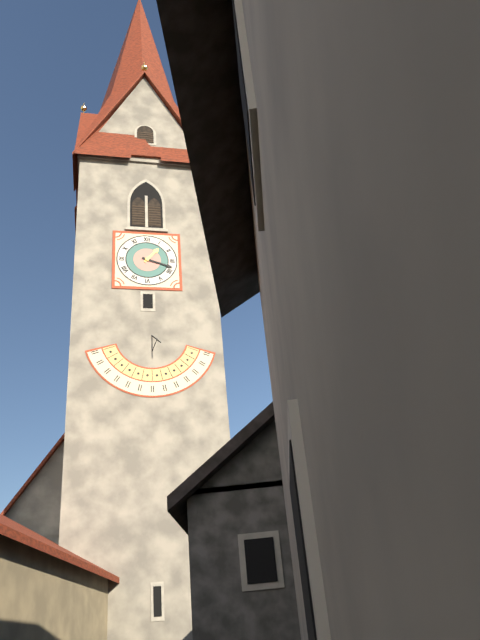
**1:18**
